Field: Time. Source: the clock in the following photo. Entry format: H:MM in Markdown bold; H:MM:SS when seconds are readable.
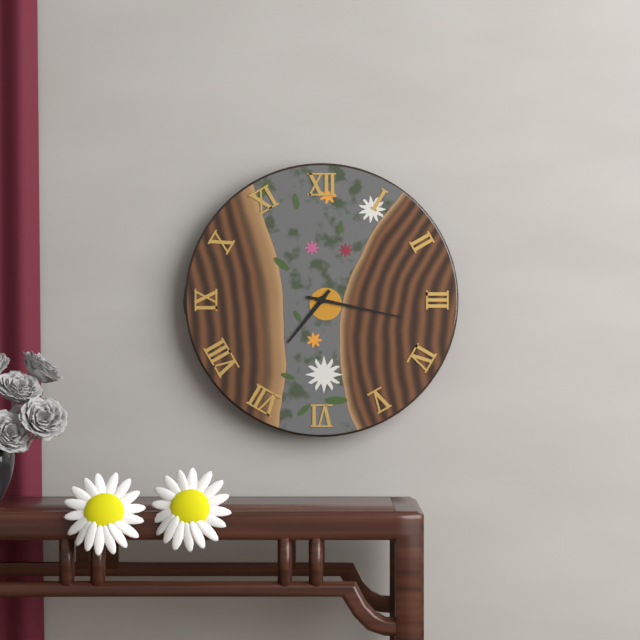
**7:17**
